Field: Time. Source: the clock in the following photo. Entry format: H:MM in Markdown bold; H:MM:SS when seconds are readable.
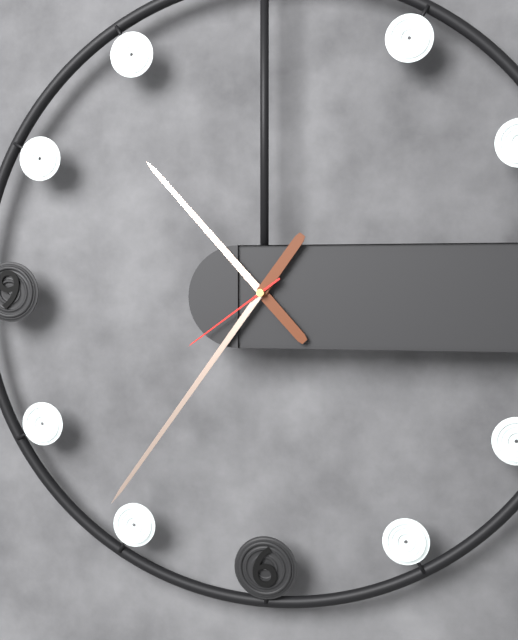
**10:36:39**
